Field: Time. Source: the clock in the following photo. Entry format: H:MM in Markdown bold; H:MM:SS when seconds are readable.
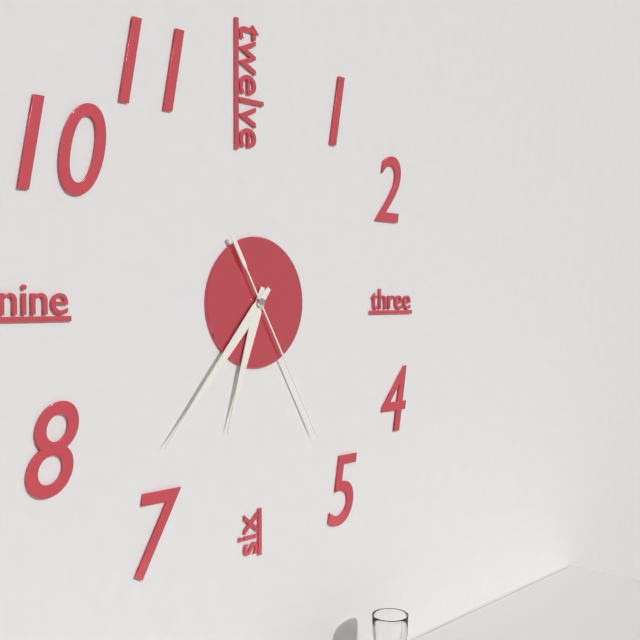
**6:37:25**
